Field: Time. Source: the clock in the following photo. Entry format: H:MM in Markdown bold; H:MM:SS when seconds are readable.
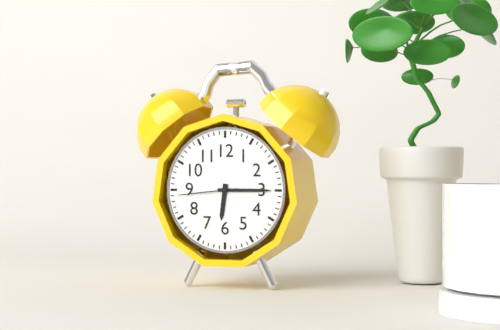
**6:15:44**
